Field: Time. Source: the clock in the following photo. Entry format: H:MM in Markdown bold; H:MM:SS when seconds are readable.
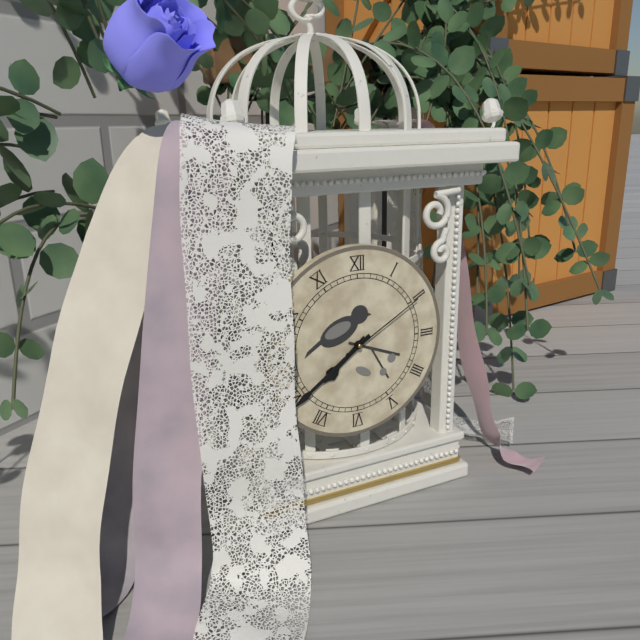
**7:39:10**
